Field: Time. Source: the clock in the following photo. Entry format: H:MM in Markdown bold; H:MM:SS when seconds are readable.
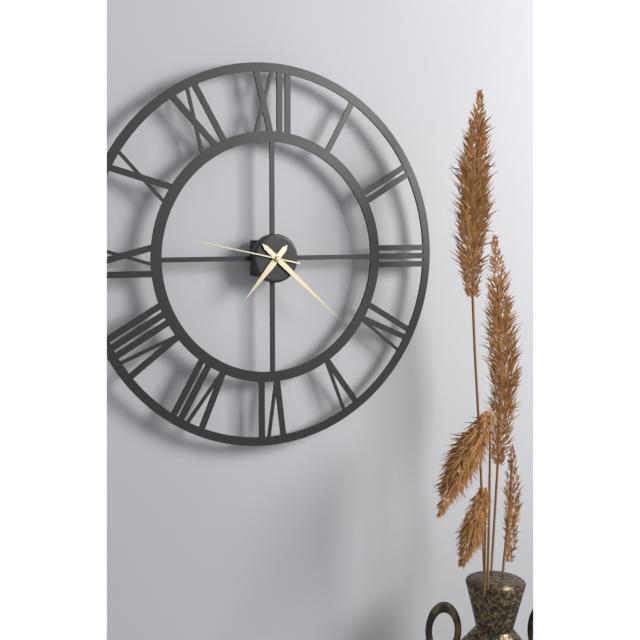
**7:22:47**
